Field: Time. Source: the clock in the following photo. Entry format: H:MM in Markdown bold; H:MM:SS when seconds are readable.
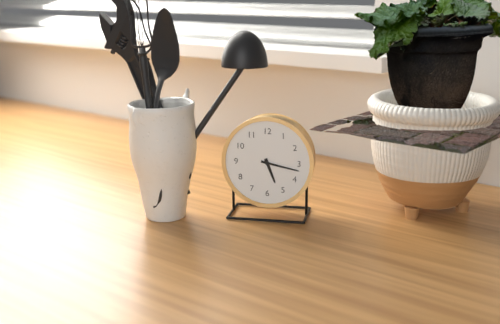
**5:17**
